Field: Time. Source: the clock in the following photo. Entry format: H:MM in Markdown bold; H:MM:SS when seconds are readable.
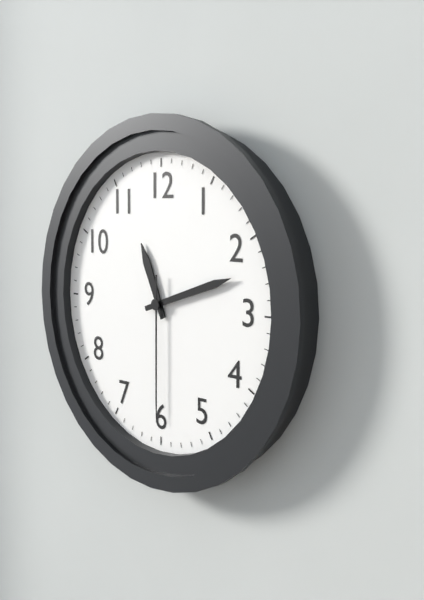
**11:12:30**
